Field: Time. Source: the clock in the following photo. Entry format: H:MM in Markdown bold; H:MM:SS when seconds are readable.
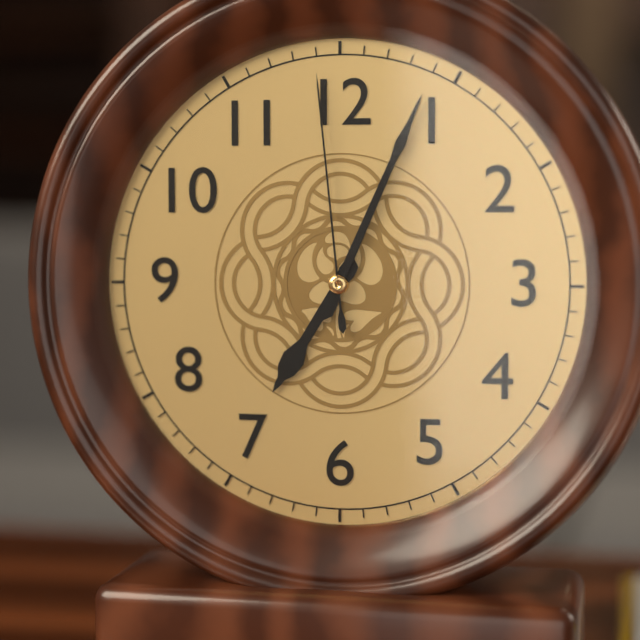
**7:04:59**
